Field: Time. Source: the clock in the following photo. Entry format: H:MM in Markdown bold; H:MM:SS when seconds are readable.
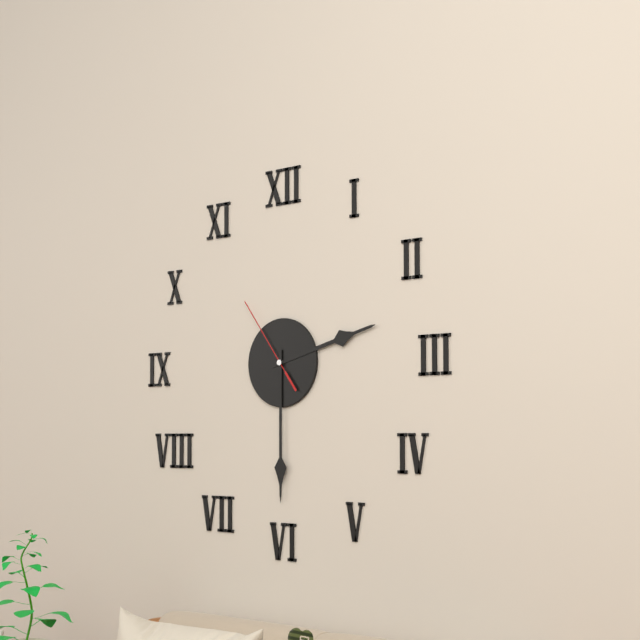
**2:30:54**
